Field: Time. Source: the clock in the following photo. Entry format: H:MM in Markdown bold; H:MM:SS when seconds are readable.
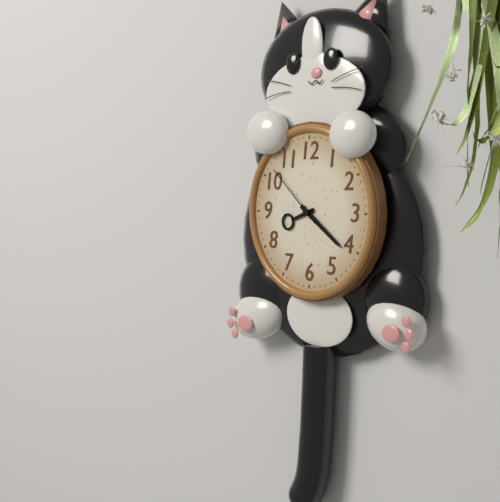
**8:21:52**
